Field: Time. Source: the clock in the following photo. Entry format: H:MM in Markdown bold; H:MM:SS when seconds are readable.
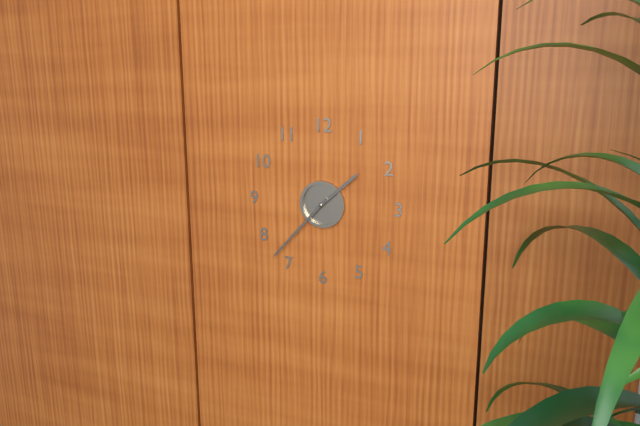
**1:37**
